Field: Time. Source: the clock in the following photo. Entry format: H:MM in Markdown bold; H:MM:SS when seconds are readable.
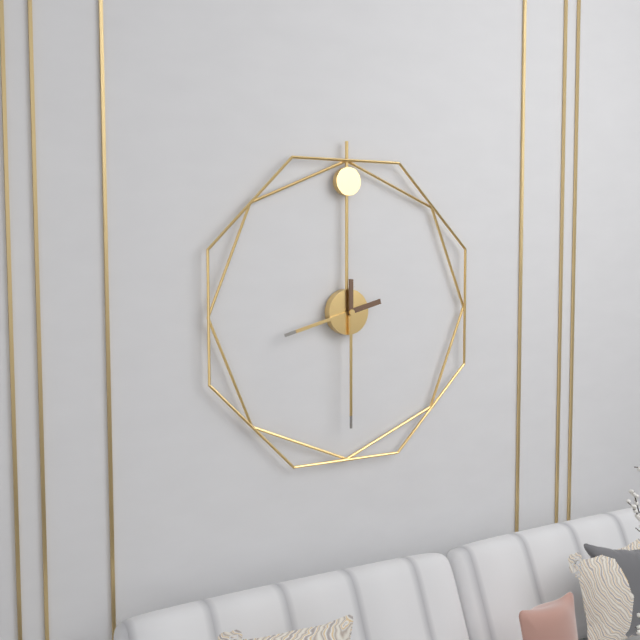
**8:30**
